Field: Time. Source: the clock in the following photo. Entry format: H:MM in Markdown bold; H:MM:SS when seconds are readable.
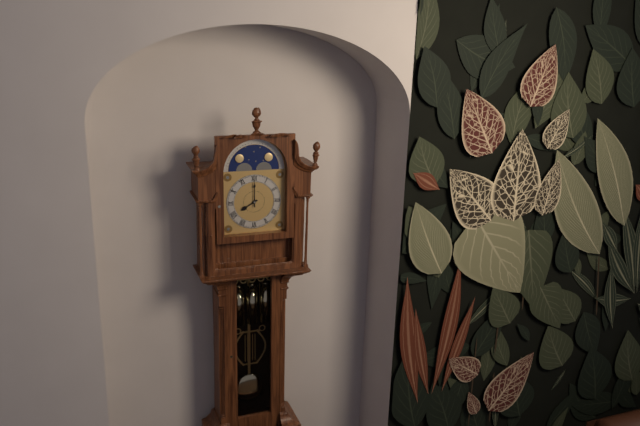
**8:00**
